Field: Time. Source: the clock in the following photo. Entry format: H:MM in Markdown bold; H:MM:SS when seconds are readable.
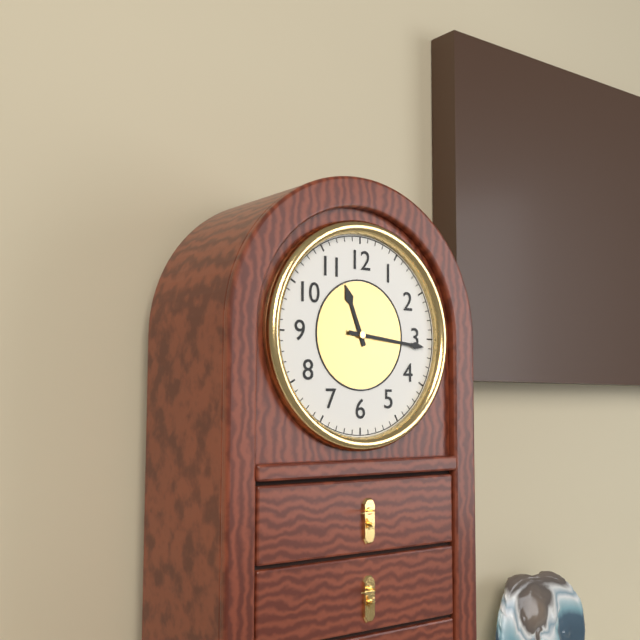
**11:16**
